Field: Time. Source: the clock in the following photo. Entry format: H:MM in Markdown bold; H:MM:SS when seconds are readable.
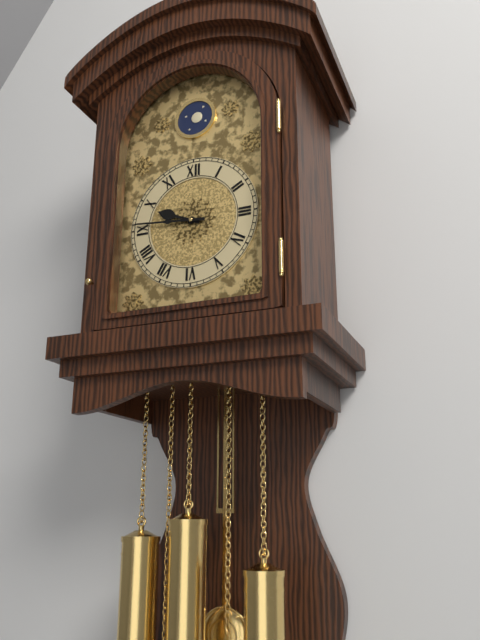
**9:46**
